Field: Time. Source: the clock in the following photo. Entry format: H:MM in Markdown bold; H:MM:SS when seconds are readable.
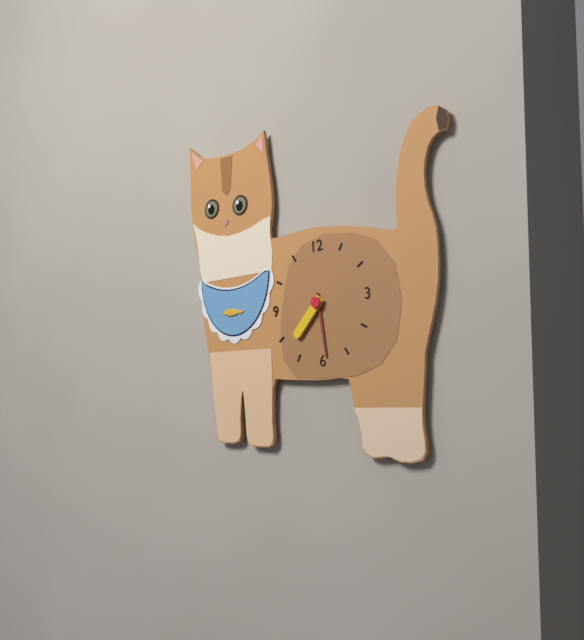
**7:29**
